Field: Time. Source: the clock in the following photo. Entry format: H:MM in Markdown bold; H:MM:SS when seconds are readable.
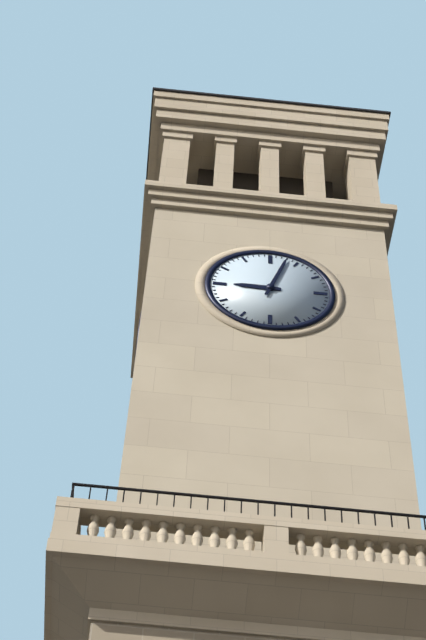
**9:03**
